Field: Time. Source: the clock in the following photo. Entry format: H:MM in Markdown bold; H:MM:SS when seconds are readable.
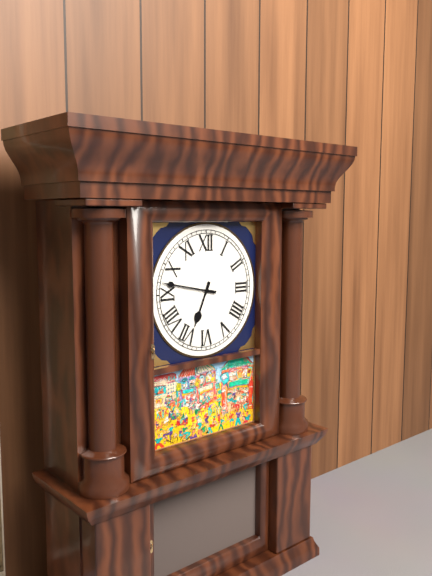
**6:47**
